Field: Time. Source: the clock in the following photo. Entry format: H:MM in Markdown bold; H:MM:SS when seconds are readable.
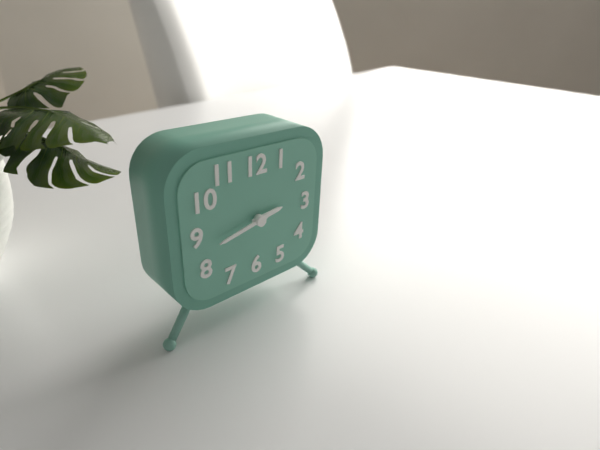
**2:43**
